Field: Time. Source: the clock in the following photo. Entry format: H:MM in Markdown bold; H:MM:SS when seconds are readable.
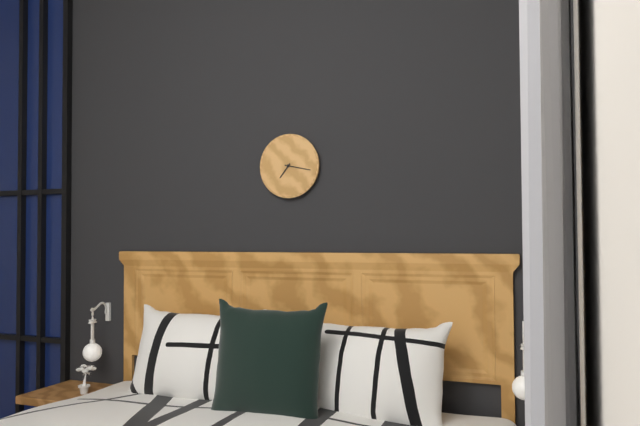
**7:17**
